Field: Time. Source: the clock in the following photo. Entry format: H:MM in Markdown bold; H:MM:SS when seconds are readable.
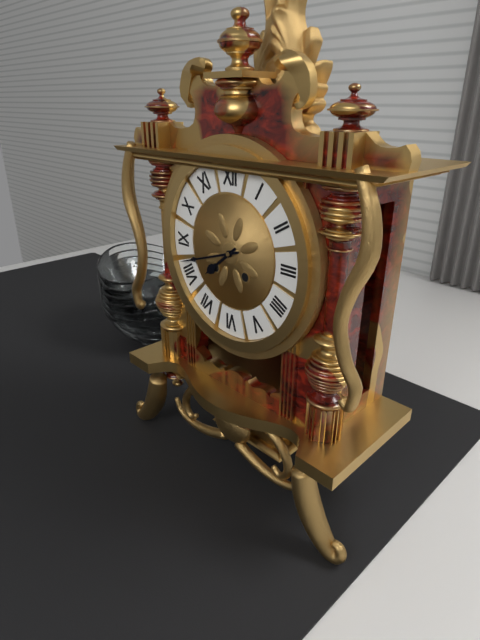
**7:42**
